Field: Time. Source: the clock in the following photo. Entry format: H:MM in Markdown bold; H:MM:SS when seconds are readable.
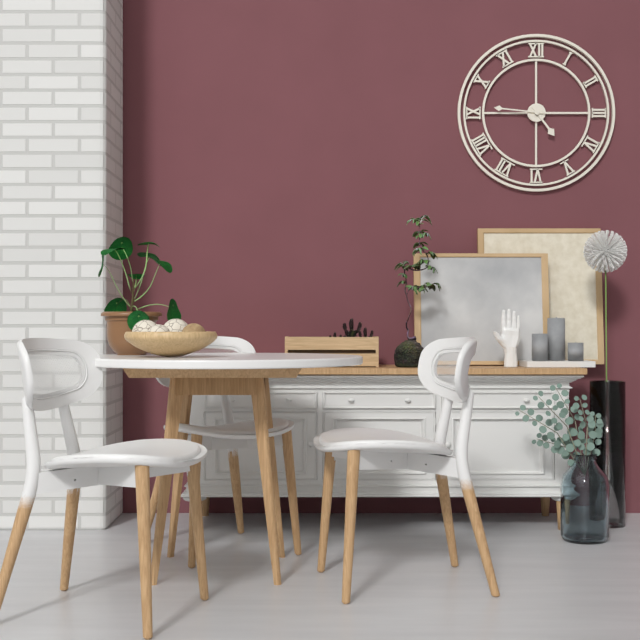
**4:46**
